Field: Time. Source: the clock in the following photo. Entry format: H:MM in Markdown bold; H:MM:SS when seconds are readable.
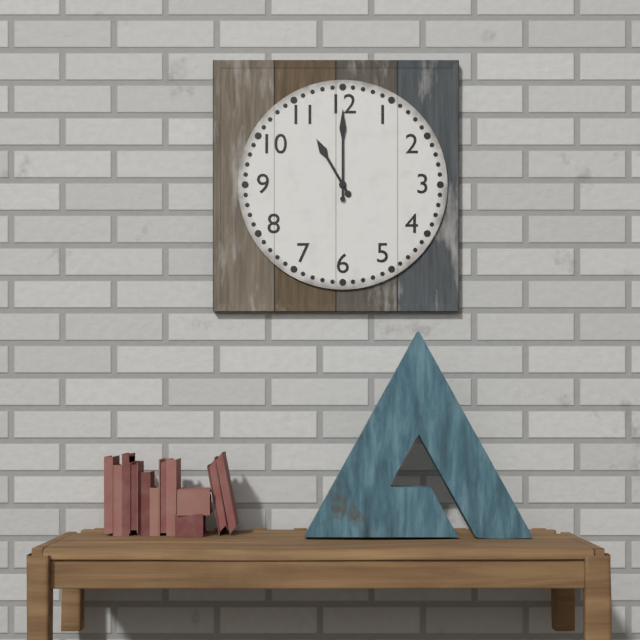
**11:00**
